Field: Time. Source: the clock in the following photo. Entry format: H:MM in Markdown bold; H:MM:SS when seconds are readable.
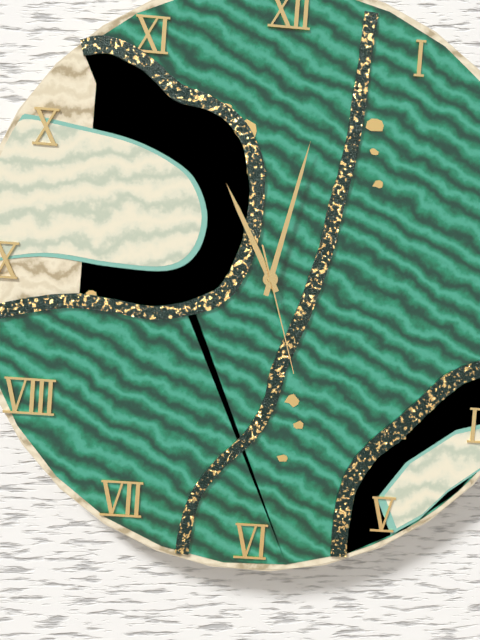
**11:02:27**
